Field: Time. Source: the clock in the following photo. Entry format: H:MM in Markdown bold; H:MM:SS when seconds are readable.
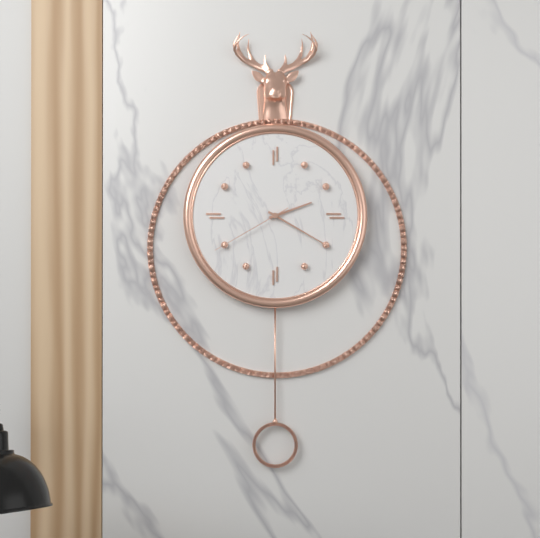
**2:20:40**
